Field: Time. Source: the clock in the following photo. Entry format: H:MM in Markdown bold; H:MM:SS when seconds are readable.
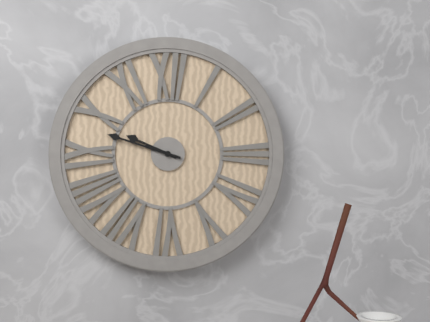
**9:48**
